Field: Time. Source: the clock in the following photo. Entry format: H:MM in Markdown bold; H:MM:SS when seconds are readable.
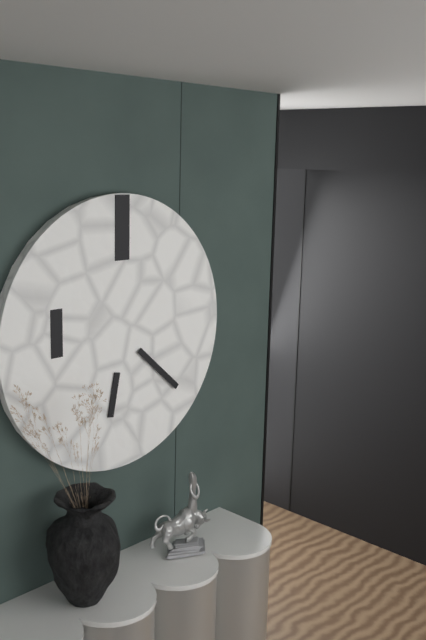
**6:22**
